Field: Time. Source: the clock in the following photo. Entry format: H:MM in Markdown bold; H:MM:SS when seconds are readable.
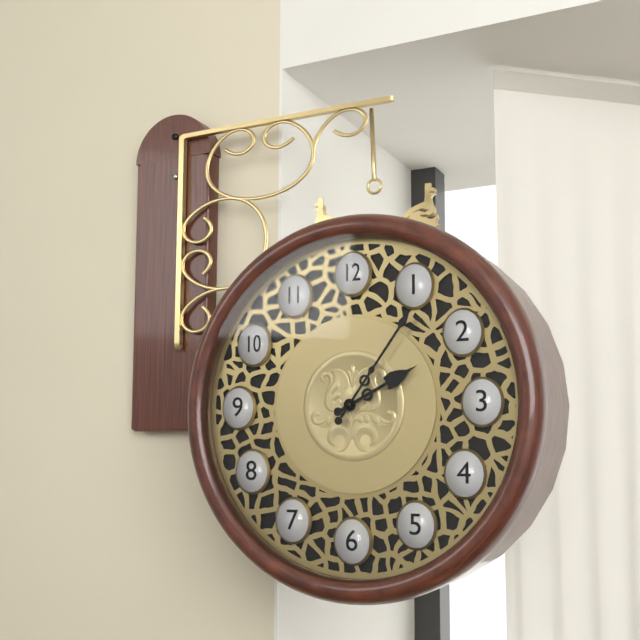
**2:06**
